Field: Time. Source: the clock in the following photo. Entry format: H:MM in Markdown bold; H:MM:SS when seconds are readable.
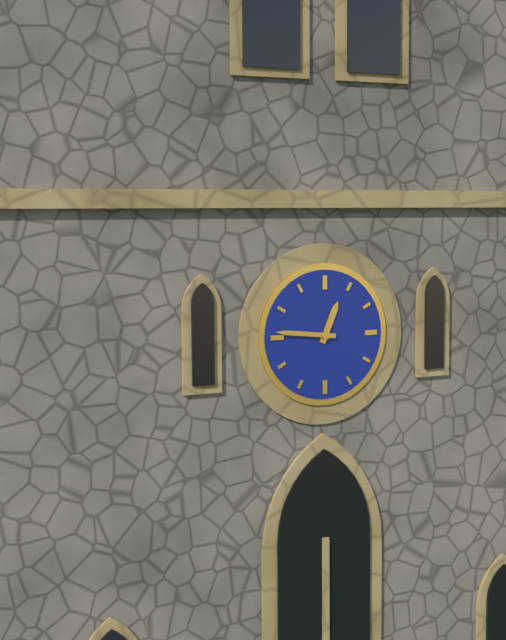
**12:46**
